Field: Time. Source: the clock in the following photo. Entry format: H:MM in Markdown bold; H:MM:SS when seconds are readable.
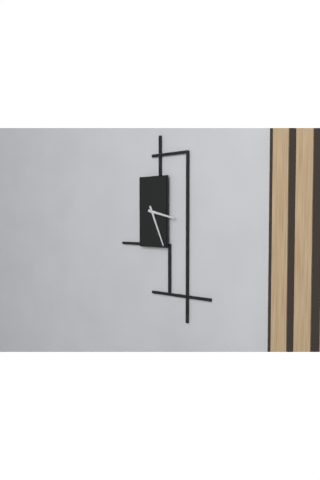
**3:26**
